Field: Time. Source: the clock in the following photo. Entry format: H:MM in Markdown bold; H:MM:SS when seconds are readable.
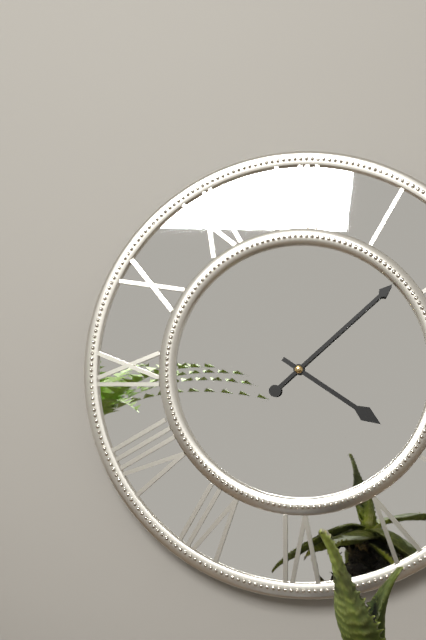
**4:08**
